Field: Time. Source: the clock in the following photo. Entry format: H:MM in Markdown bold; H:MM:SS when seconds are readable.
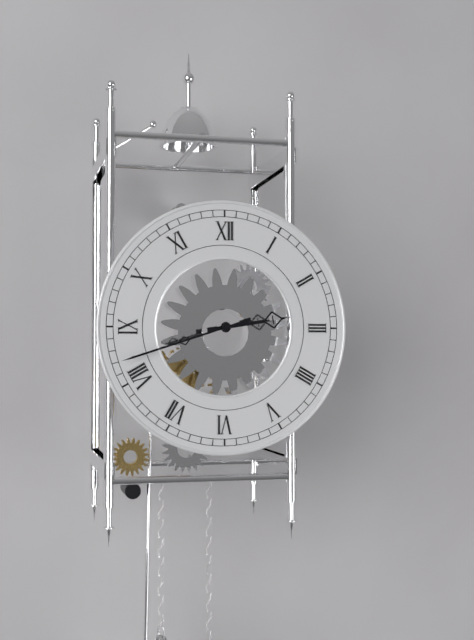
**2:42**
